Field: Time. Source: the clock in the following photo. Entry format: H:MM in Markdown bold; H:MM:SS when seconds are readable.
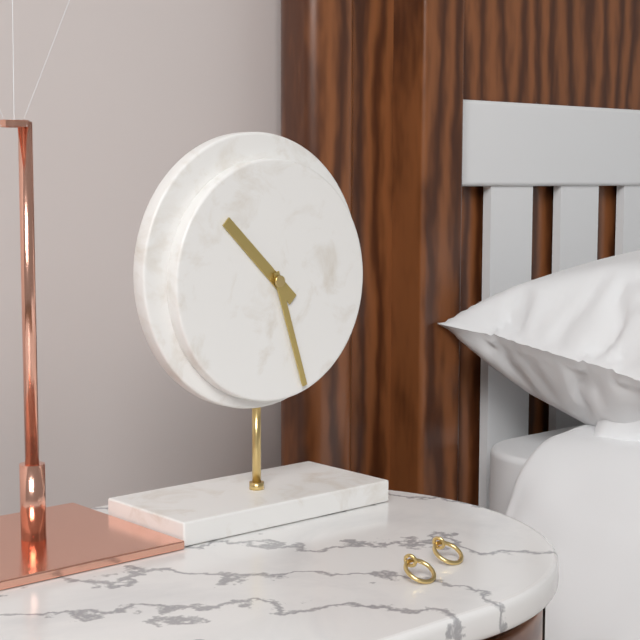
**10:27**
